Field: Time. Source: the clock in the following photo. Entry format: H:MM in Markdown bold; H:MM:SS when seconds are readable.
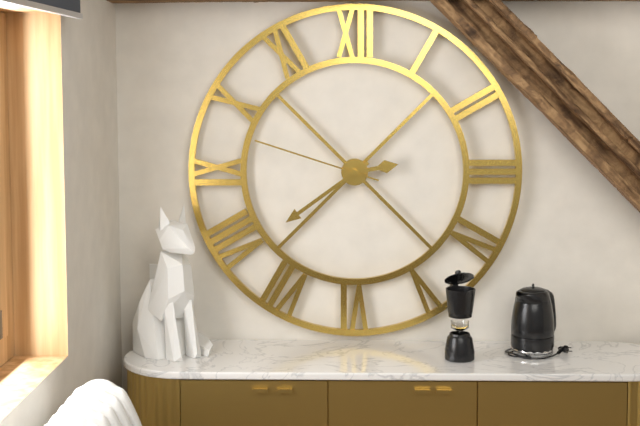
**2:39:48**
